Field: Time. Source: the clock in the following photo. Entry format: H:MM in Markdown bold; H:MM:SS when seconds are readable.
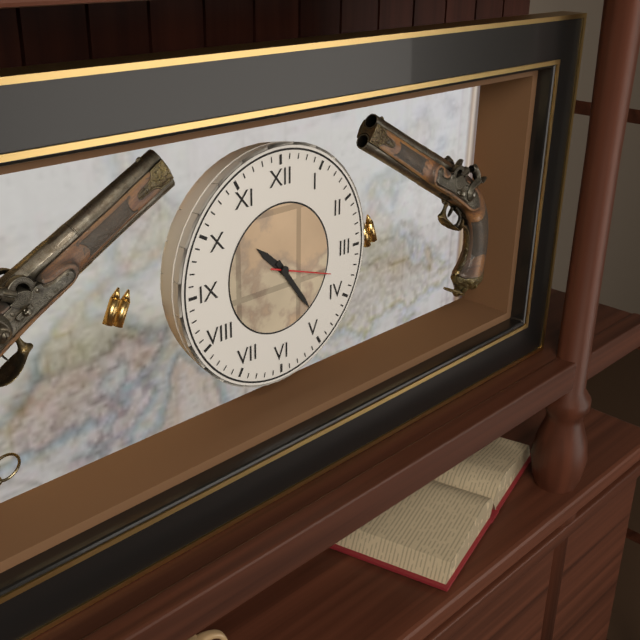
**10:24:18**
